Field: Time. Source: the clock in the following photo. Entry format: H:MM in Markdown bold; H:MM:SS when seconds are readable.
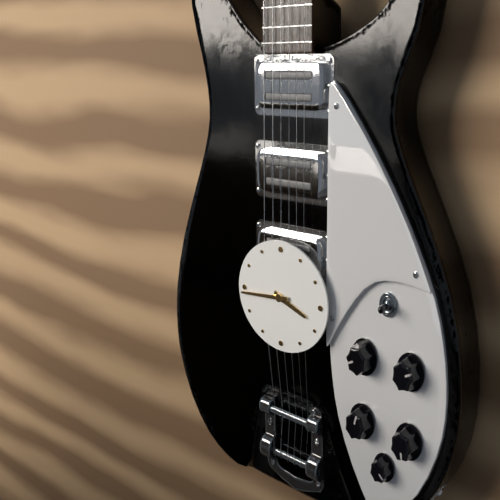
**3:44**
